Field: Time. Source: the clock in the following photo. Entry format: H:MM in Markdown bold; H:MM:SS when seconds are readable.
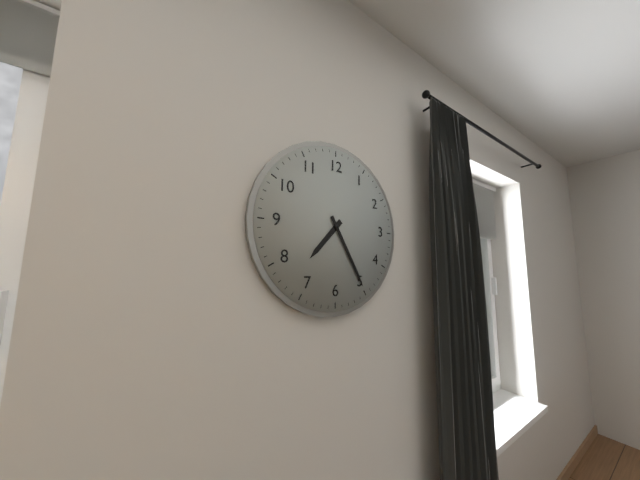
**7:25**
